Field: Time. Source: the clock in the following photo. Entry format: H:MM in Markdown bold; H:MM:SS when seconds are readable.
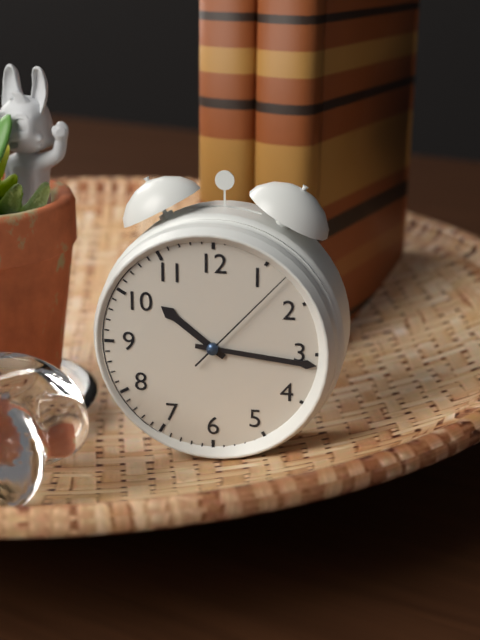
**10:16:07**
